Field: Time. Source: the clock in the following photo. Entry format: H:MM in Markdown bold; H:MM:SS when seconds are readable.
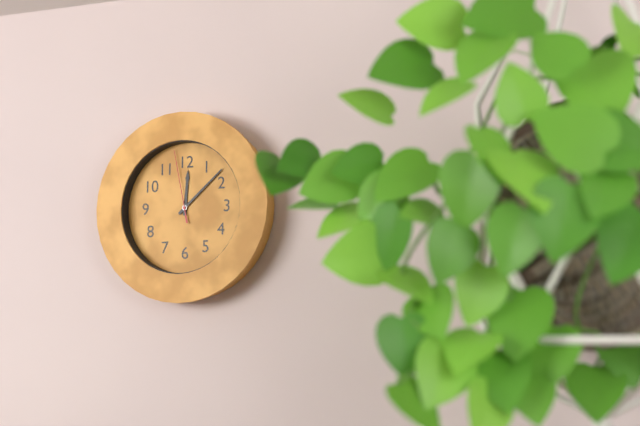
**12:08:58**
